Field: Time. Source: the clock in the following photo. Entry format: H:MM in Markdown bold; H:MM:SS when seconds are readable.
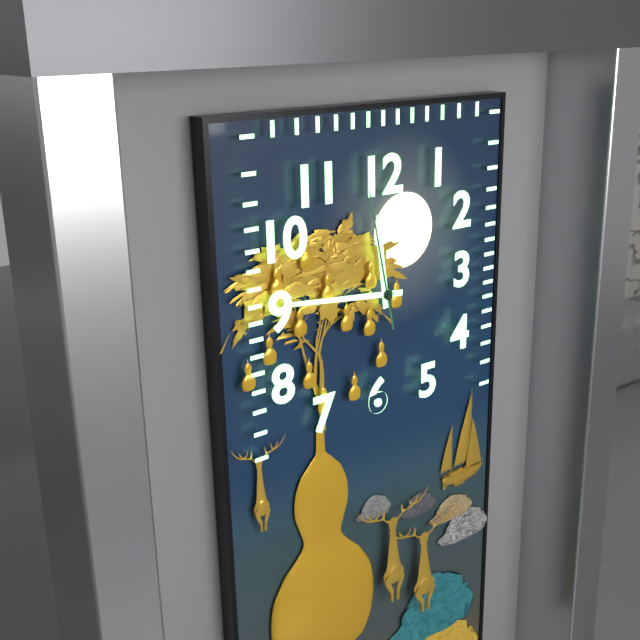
**11:46:58**
